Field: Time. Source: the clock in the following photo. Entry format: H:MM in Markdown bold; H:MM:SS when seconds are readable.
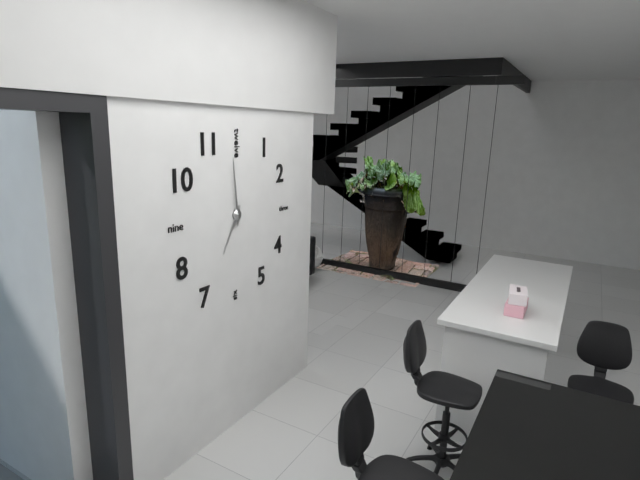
**6:59**
